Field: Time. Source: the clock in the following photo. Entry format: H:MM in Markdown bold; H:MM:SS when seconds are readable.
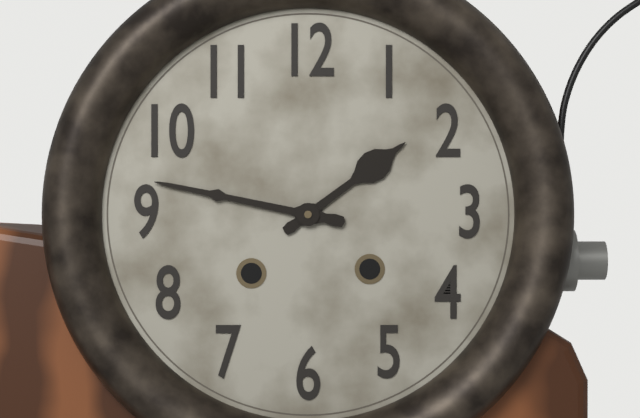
**1:47**
